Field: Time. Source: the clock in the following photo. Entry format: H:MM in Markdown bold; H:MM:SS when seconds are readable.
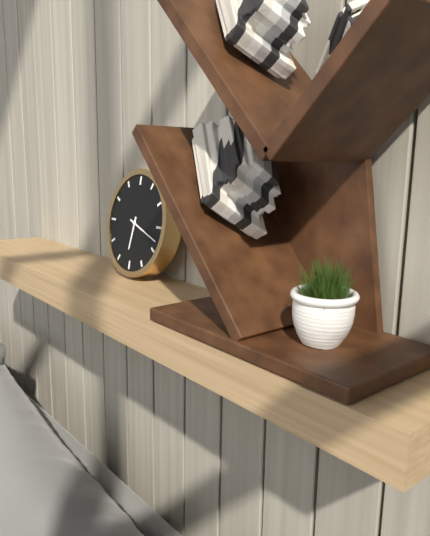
**6:18**
